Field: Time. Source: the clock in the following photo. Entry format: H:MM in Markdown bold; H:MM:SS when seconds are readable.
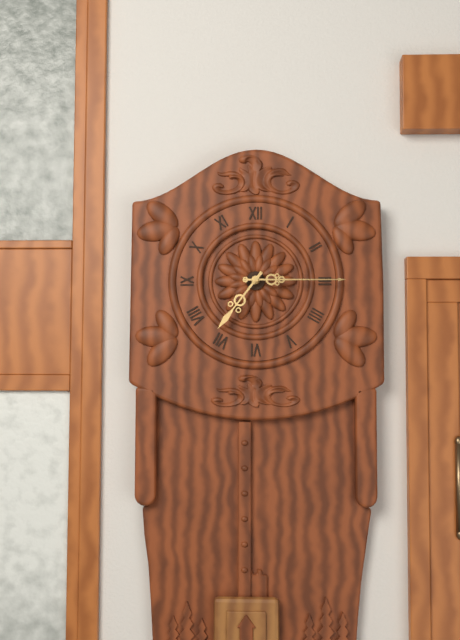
**7:15**
